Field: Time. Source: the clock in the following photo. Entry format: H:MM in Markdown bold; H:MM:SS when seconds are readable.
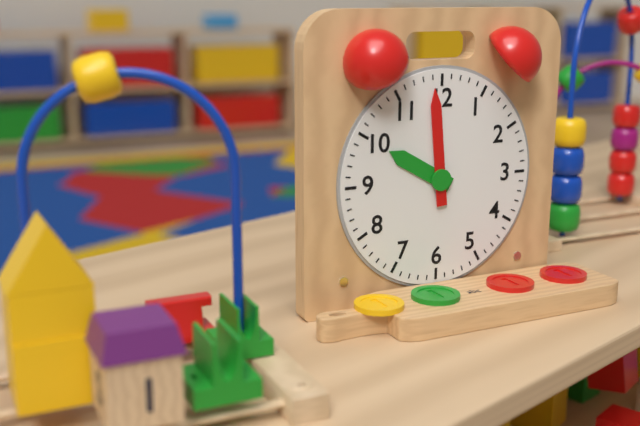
**9:59**
